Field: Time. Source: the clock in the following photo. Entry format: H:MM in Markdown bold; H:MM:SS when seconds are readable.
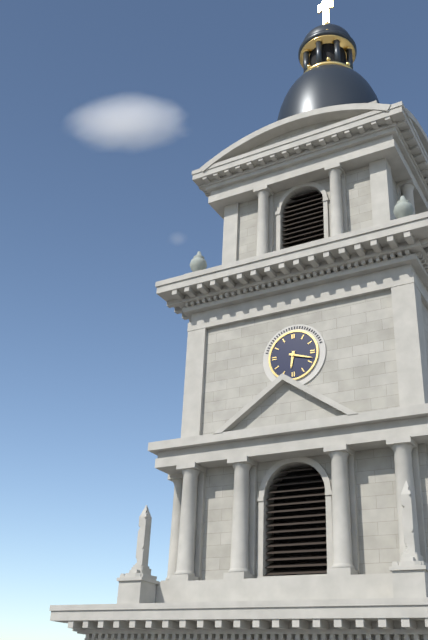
**6:18**
